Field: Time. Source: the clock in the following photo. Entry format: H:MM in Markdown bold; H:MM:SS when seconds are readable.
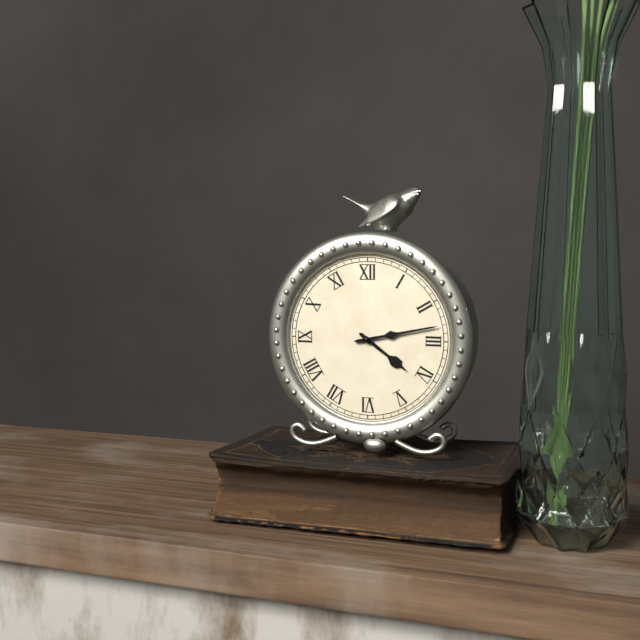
**4:13**
